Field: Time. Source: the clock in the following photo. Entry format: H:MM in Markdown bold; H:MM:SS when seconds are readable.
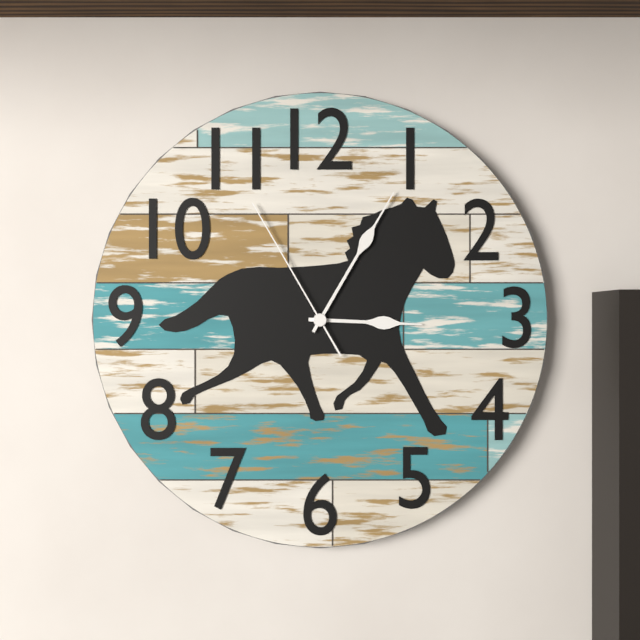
**3:05:55**
